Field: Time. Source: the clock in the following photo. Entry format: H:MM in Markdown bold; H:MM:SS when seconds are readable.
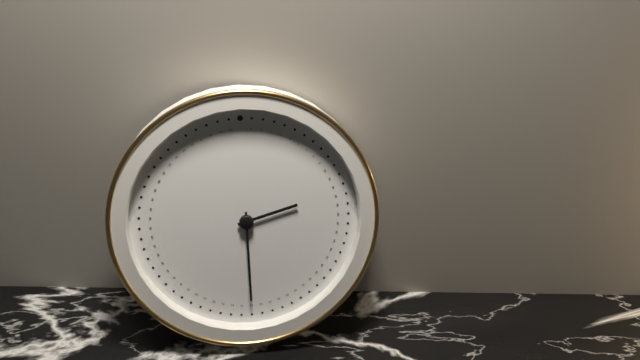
**2:30**
